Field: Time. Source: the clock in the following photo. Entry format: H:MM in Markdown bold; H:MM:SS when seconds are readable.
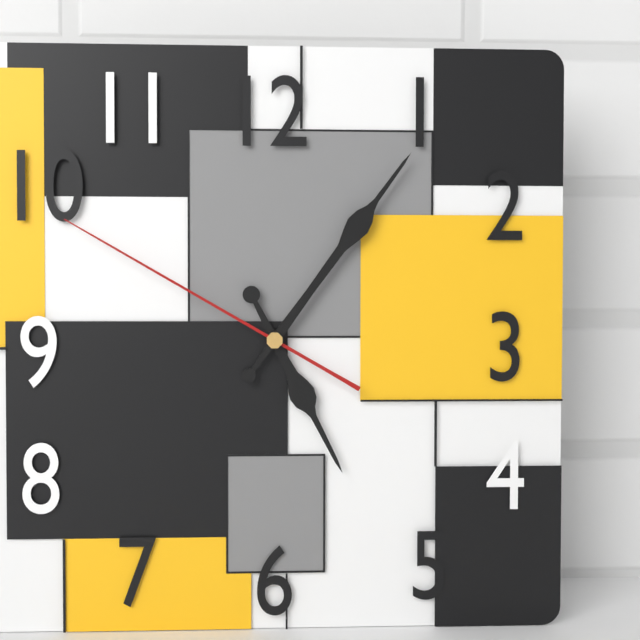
**5:06:50**
